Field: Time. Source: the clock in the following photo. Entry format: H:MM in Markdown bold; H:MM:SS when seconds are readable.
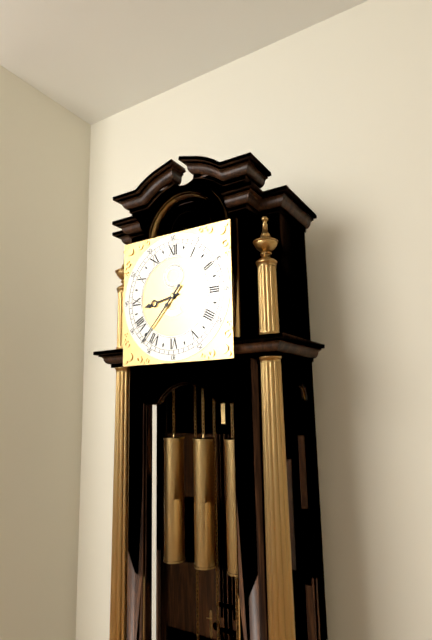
**8:37**
